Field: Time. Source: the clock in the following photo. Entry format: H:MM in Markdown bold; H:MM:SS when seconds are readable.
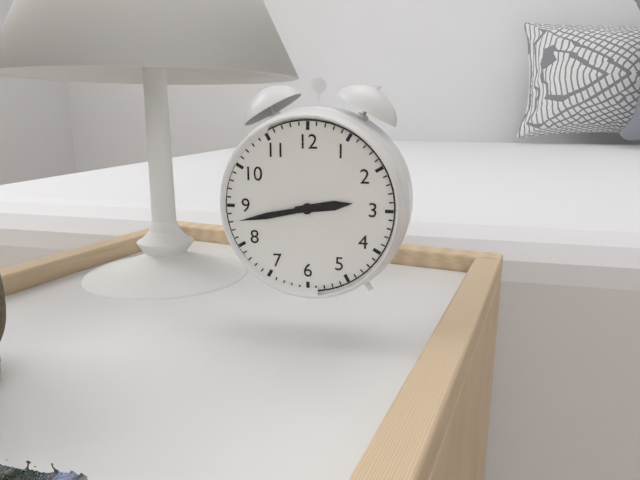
**2:43**
